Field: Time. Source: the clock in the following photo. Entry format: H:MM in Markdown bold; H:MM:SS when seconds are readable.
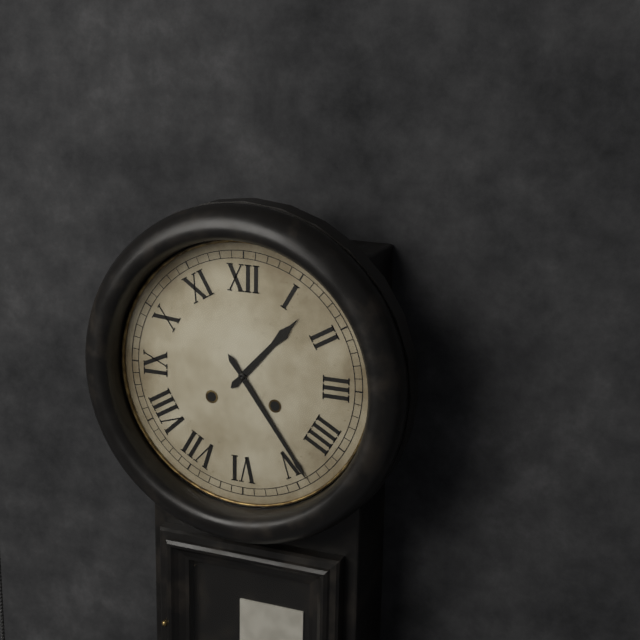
**1:24**
